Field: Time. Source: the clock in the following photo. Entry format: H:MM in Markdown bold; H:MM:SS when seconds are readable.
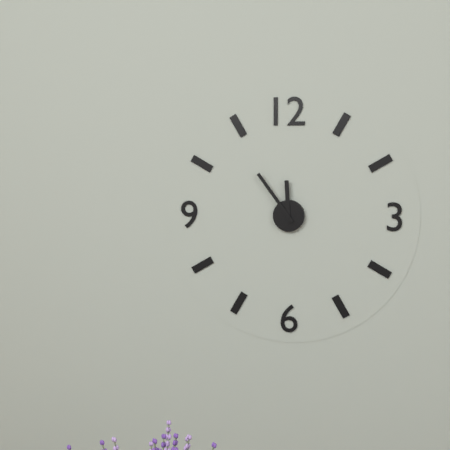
**11:54**
